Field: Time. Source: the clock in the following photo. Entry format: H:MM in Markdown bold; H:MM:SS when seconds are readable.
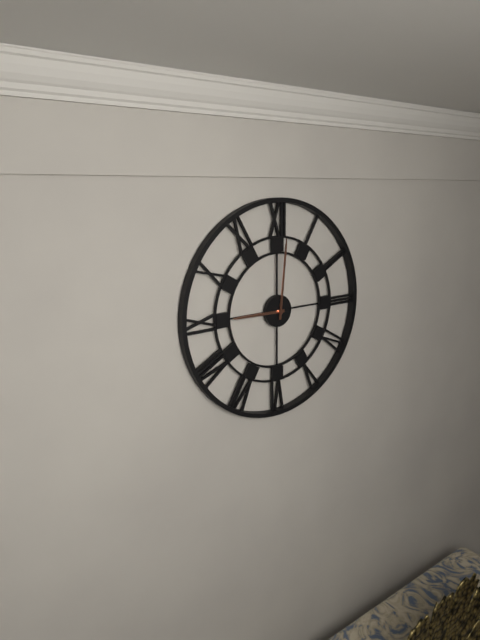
**9:01**
